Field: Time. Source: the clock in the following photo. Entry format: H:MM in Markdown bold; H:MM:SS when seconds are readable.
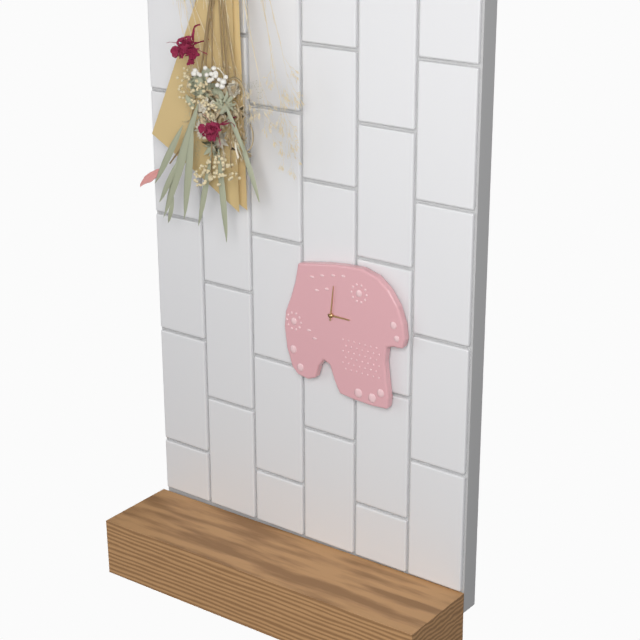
**3:01**
